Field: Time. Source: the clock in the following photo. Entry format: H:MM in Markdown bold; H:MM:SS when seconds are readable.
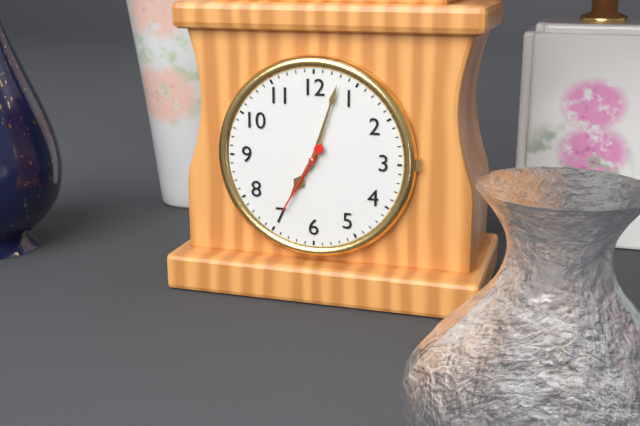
**7:03:35**
